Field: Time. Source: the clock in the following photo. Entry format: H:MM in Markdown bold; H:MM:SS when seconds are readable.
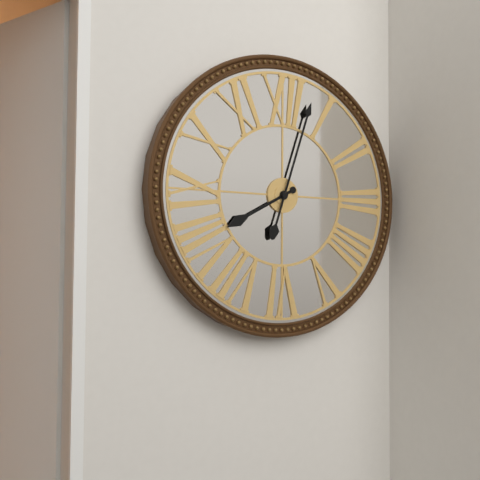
**8:03**
